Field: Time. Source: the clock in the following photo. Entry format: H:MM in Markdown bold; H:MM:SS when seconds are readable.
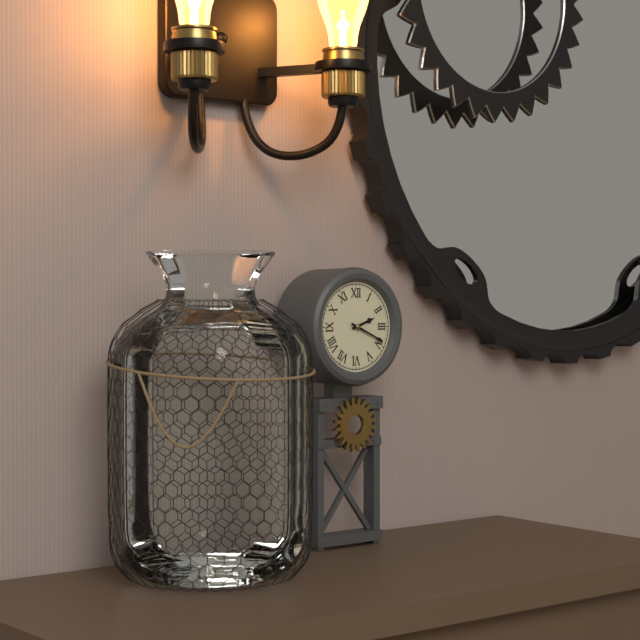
**2:19**
